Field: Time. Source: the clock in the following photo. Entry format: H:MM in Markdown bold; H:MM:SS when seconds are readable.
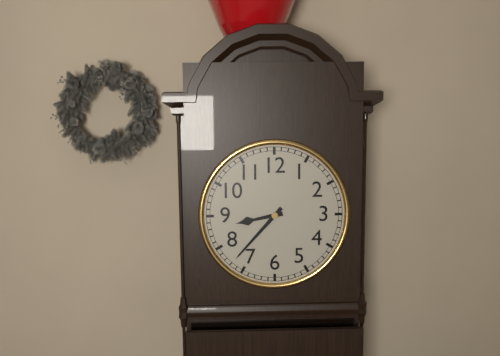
**8:37**
